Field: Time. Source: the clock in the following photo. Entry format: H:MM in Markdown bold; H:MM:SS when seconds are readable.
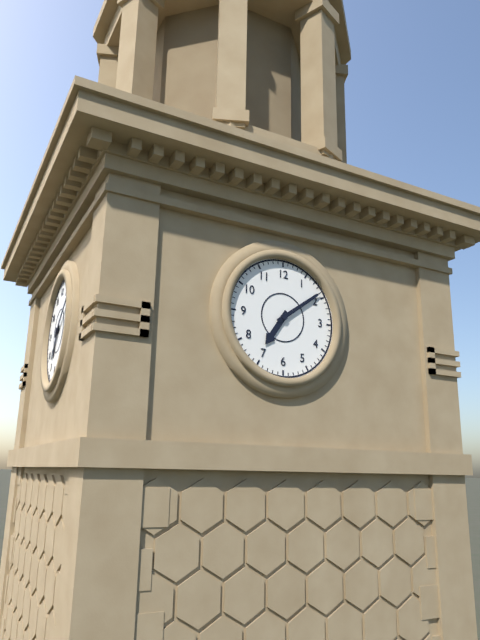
**7:09**
